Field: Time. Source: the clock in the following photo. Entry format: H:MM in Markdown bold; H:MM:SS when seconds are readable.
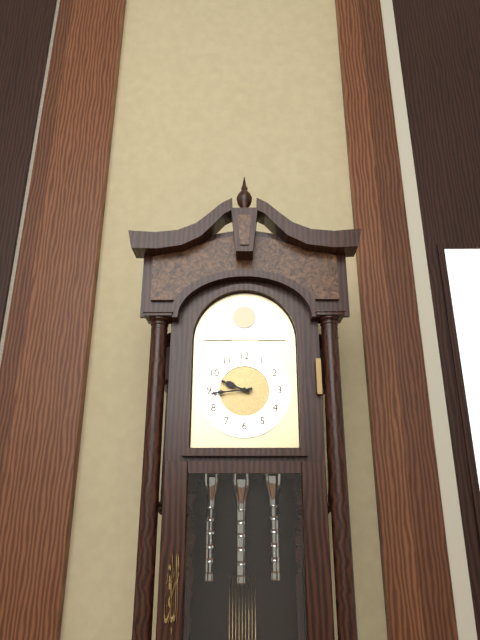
**9:44**
